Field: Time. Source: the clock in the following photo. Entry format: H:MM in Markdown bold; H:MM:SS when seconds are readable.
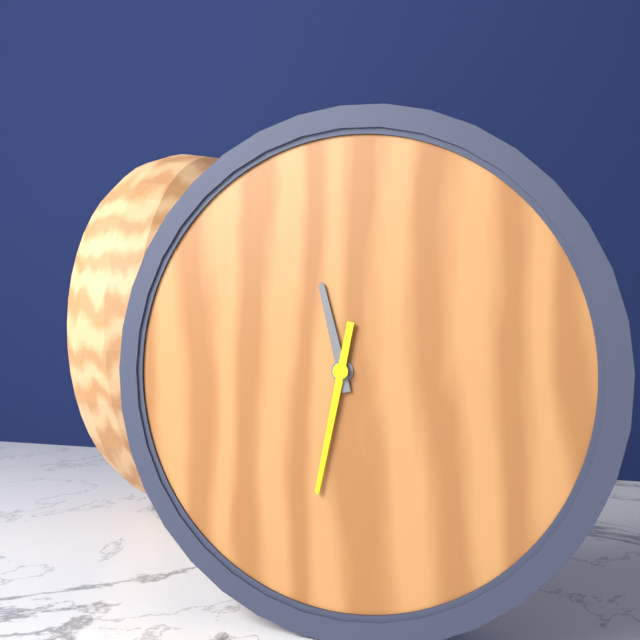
**11:32**
